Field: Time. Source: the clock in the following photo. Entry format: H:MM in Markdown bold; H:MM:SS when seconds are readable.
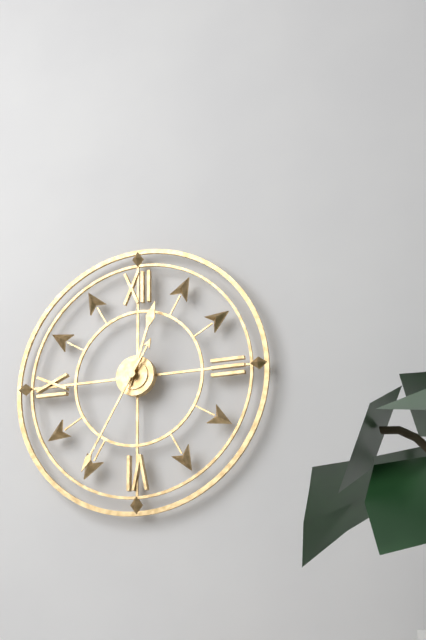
**12:35**
